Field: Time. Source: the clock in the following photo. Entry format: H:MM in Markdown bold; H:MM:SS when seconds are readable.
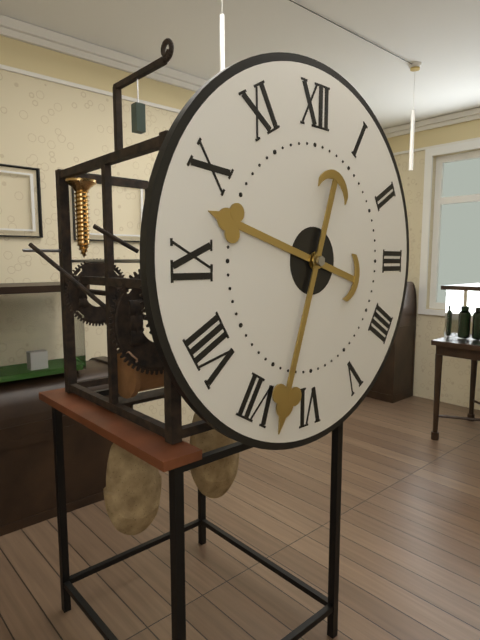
**9:33**
